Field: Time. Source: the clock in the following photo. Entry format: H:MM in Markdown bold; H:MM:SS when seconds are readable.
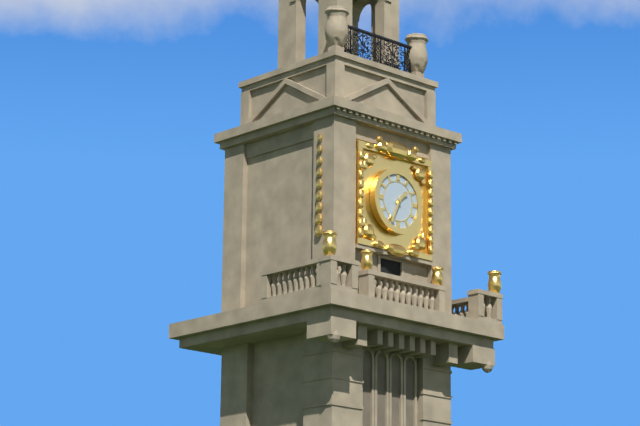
**1:34**
